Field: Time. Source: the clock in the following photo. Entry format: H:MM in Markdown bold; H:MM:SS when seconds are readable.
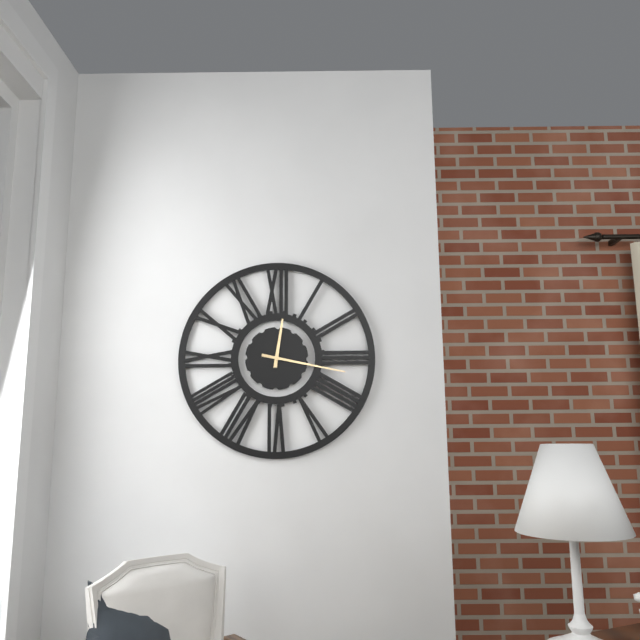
**12:17**
